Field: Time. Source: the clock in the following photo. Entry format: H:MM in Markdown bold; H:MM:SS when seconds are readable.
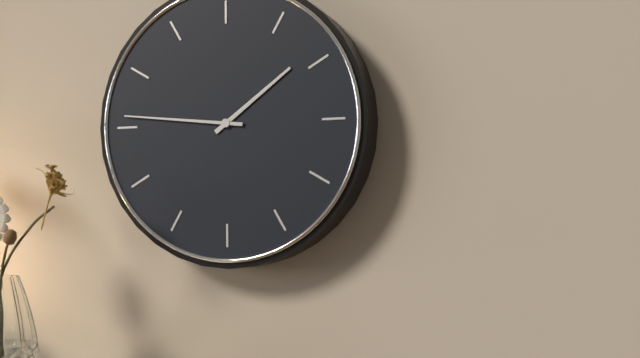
**1:46**
